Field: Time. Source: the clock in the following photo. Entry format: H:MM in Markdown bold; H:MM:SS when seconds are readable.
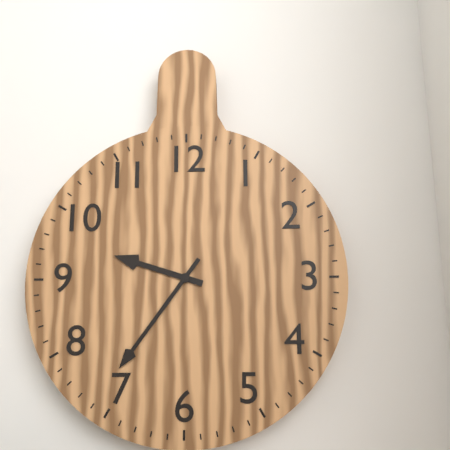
**9:36**
